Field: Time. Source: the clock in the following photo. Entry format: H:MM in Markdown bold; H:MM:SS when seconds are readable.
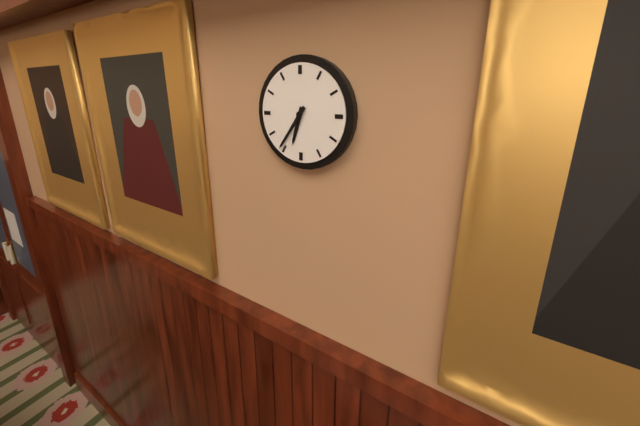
**6:36**
